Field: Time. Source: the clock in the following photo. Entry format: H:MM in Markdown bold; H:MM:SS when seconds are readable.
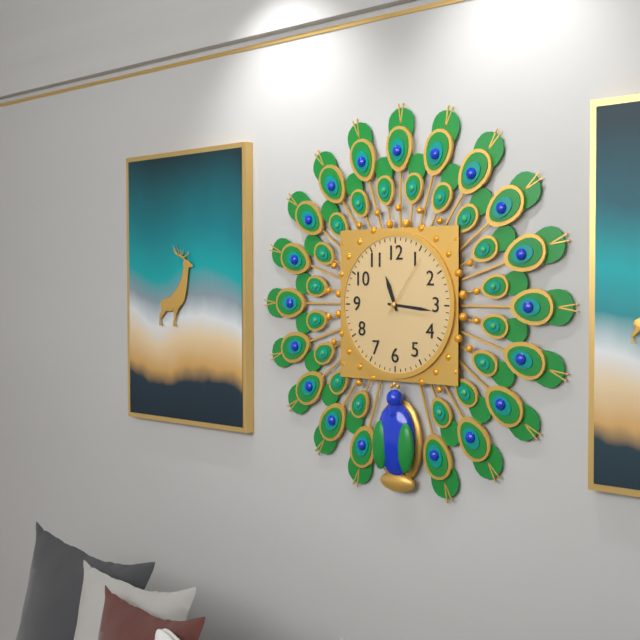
**11:16:06**
